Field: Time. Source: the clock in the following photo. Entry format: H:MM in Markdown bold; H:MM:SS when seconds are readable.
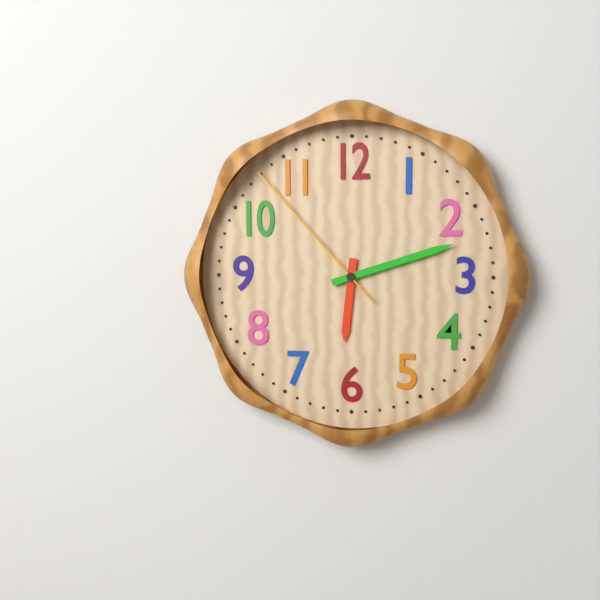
**6:12:53**
